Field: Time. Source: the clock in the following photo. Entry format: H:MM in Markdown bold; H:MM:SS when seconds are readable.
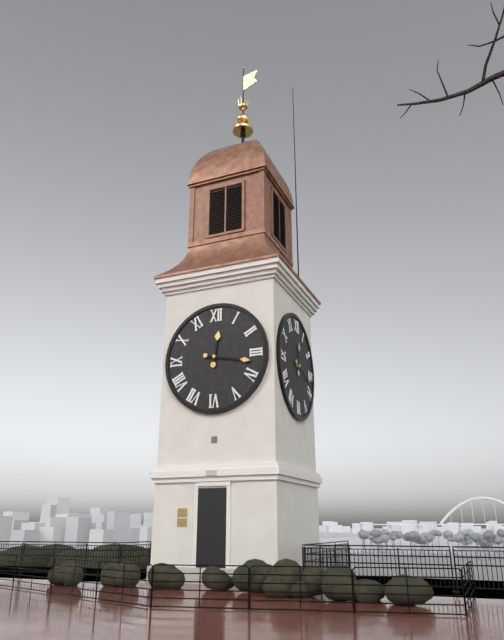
**12:17**
